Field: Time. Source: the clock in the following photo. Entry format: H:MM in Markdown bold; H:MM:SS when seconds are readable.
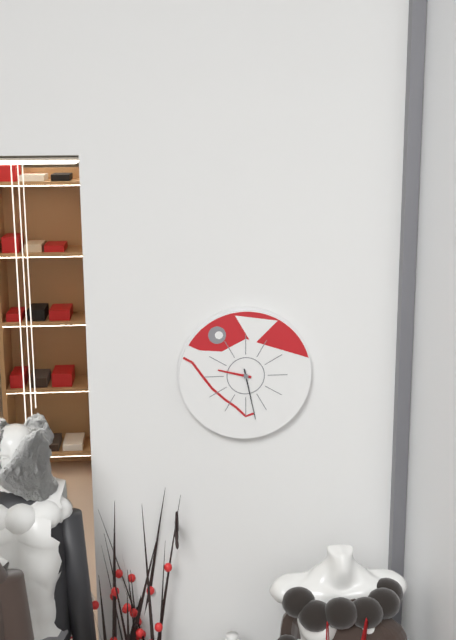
**9:28**
